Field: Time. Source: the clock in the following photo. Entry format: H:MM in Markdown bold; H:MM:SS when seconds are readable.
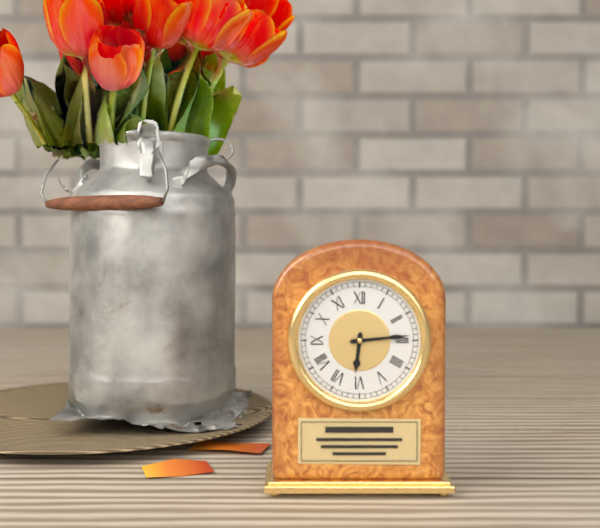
**6:14**
